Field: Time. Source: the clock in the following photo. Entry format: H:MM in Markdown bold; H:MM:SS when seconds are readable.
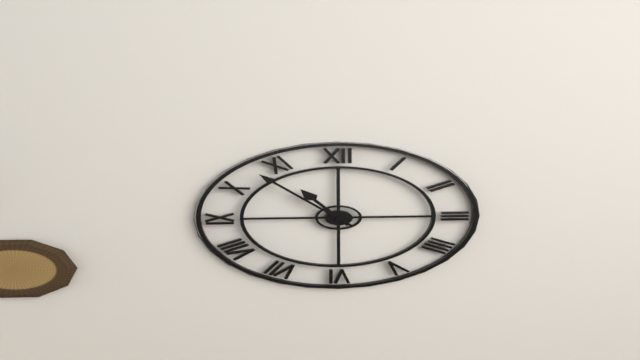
**10:53**
